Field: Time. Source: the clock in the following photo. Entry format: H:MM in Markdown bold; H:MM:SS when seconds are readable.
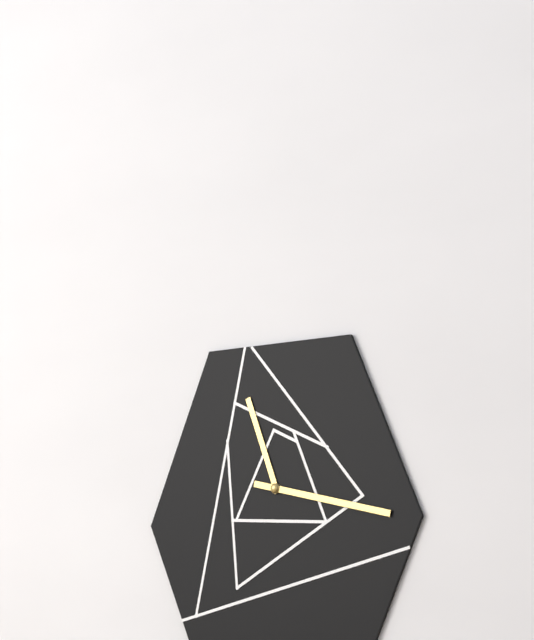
**11:17**
